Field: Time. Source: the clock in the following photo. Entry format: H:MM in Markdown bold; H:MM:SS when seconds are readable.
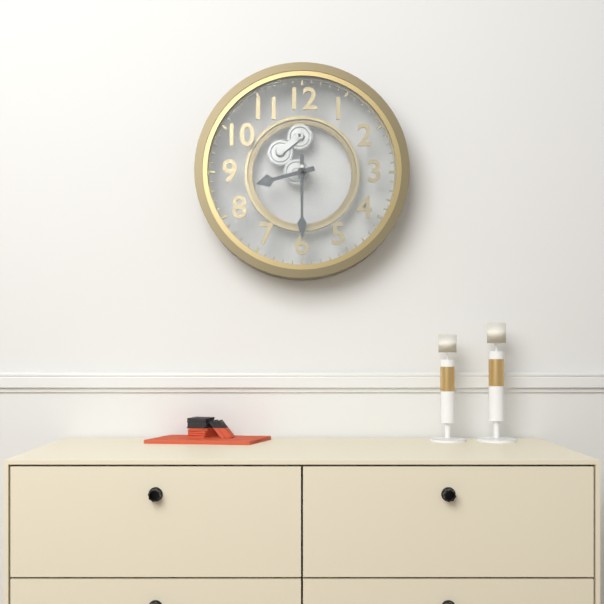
**8:30**
